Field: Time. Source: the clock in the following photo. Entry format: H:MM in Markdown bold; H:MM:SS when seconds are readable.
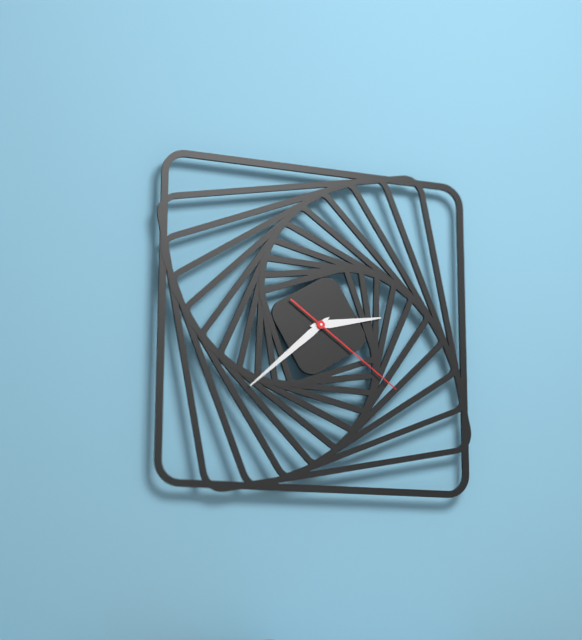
**2:38:21**
